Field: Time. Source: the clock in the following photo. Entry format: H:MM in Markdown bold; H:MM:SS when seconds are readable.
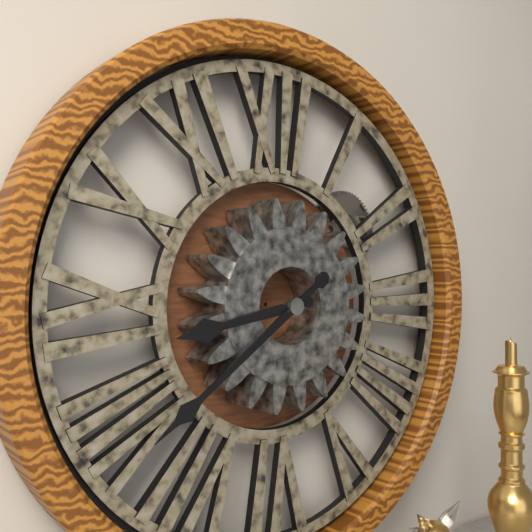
**8:39**
